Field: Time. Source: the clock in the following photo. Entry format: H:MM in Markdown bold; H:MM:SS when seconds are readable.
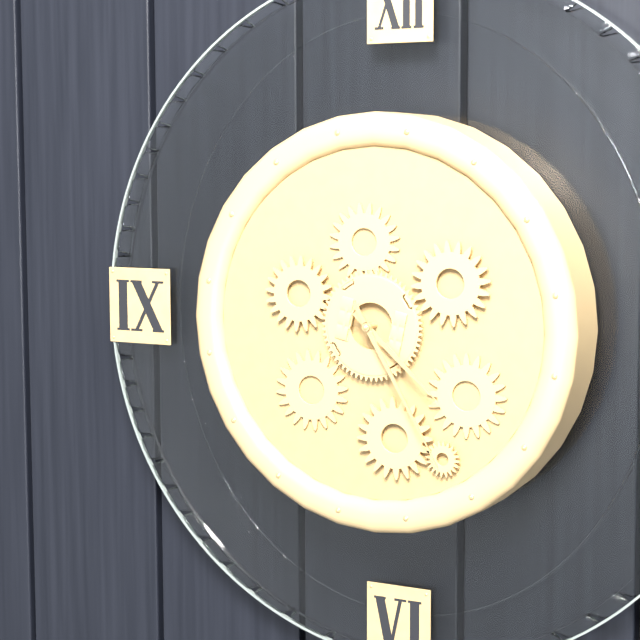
**4:25**
